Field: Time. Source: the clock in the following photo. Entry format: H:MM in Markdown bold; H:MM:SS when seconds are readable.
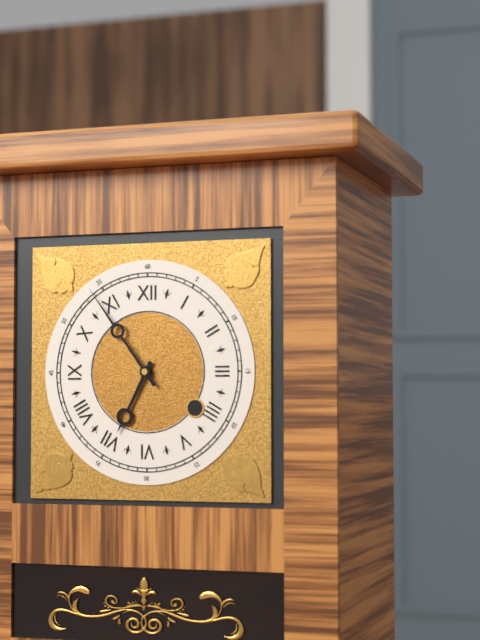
**6:54**
